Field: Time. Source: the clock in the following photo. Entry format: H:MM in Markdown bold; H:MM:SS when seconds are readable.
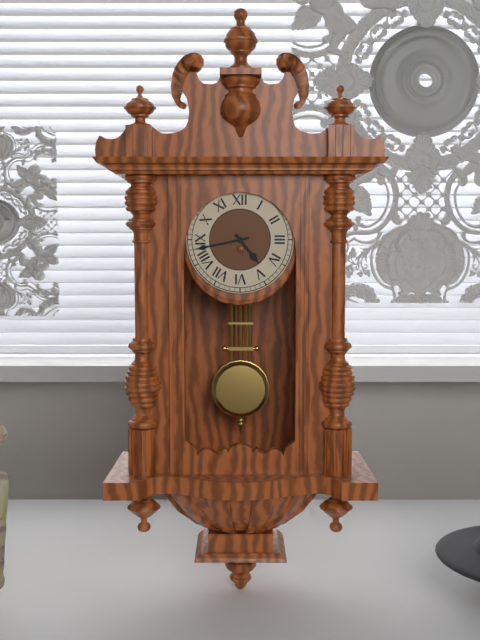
**4:43**
